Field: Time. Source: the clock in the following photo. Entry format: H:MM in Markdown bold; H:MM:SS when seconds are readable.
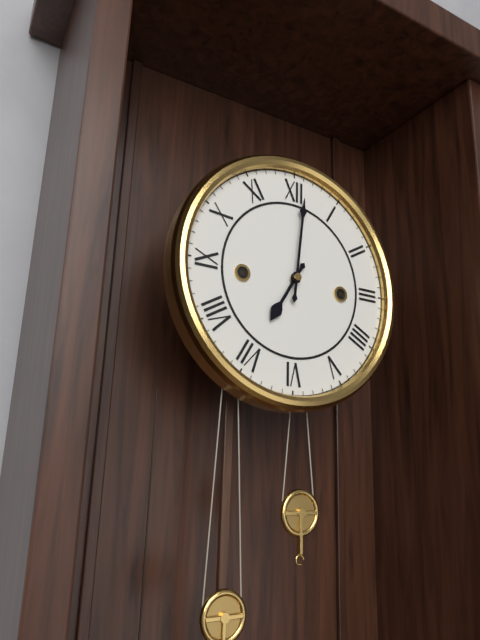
**7:01**
